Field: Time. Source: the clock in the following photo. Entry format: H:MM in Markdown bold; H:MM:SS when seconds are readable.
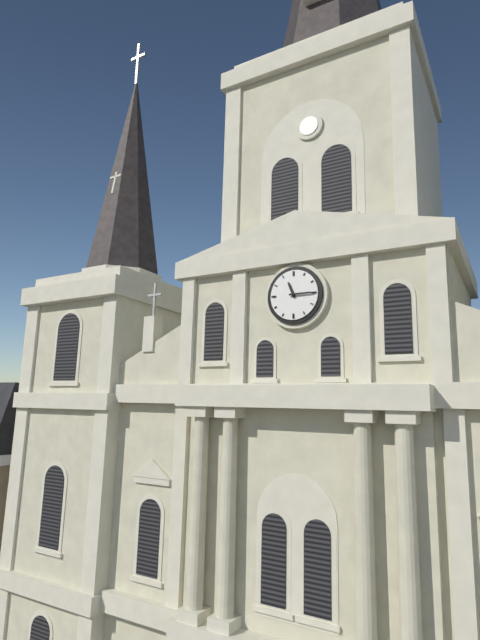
**11:15**
